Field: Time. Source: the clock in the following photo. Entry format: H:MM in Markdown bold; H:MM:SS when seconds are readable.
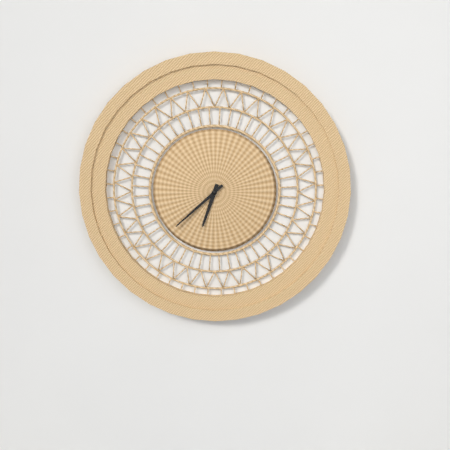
**6:38**
